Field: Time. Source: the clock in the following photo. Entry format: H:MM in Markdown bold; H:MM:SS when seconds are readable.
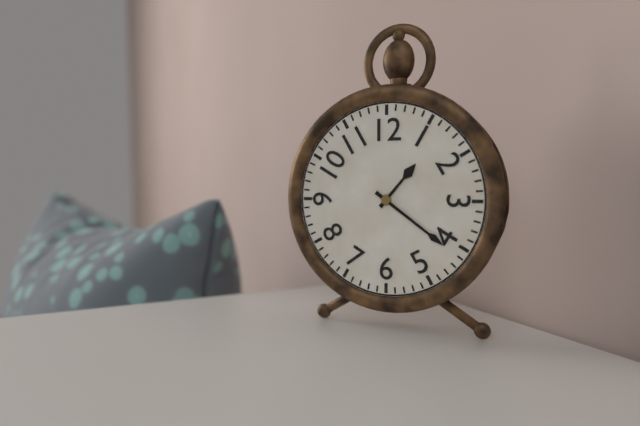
**1:21**
